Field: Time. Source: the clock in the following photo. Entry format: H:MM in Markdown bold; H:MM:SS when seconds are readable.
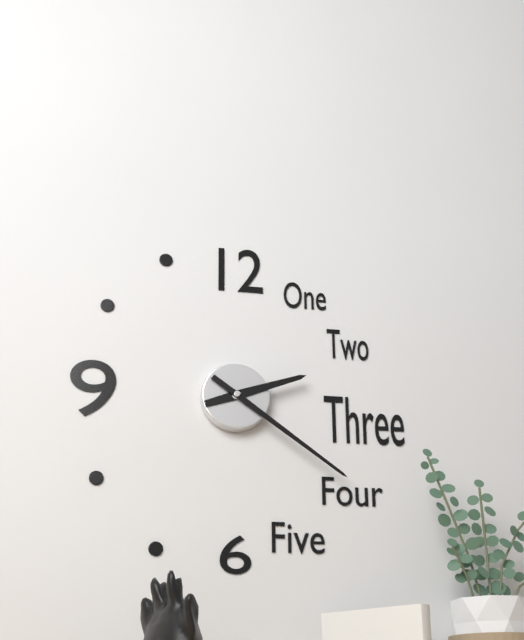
**2:21**
